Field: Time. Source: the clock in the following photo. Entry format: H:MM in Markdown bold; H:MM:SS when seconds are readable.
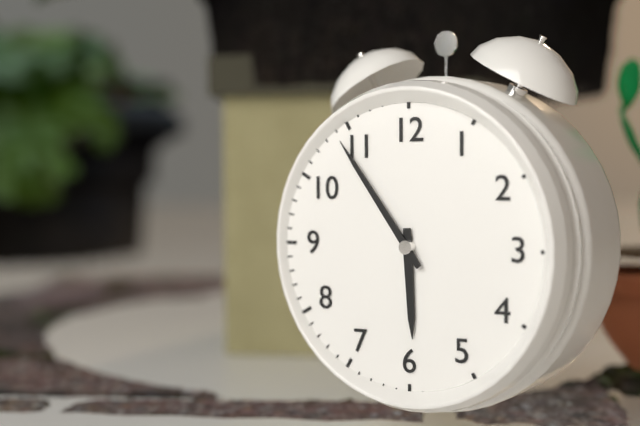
**5:54**
